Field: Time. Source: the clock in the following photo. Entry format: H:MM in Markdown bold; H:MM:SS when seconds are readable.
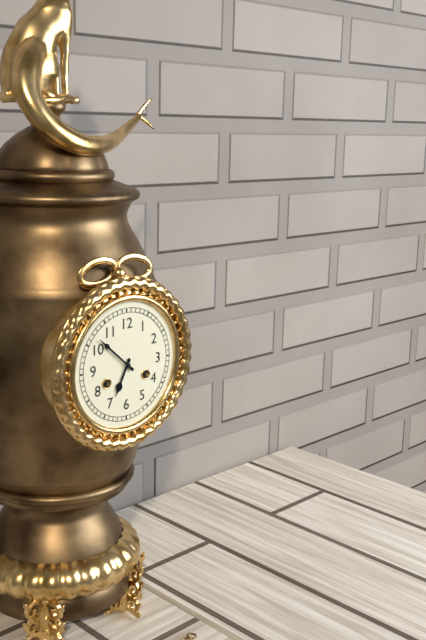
**6:52**
